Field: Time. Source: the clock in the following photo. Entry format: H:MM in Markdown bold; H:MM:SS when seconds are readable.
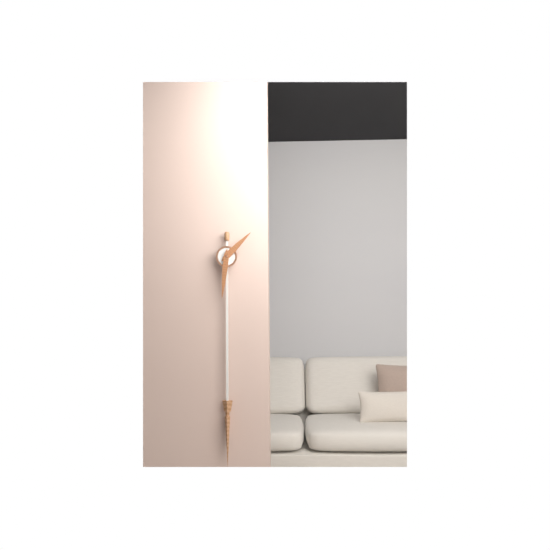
**1:31**
